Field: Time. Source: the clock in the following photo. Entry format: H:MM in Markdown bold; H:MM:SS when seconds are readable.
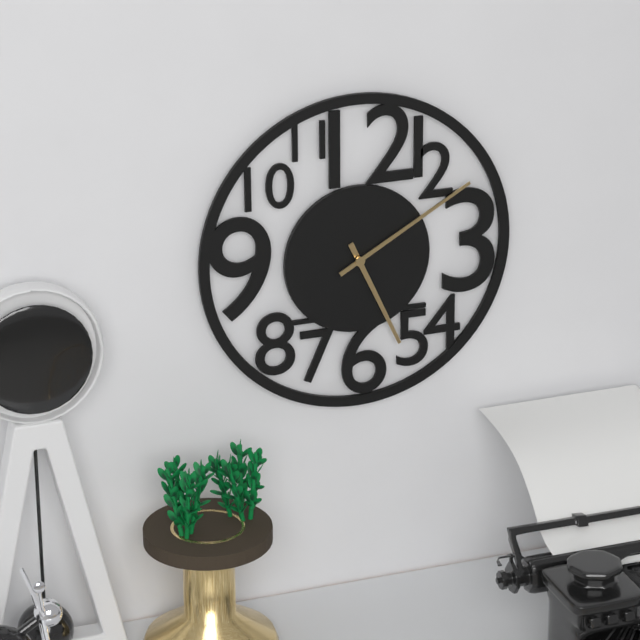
**5:10**
